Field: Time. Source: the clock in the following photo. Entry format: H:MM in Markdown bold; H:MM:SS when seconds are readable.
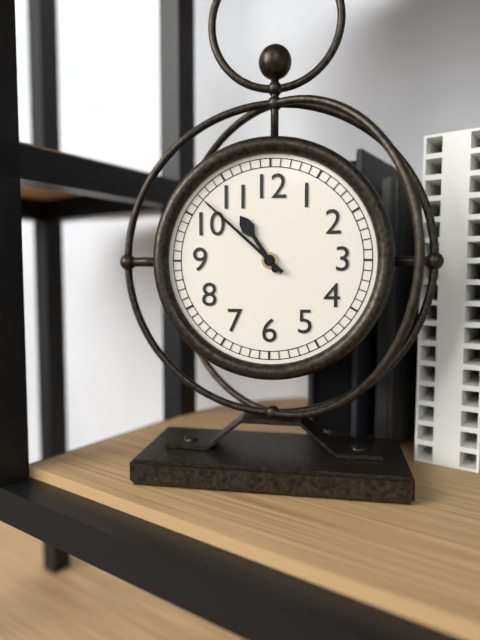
**10:52**
